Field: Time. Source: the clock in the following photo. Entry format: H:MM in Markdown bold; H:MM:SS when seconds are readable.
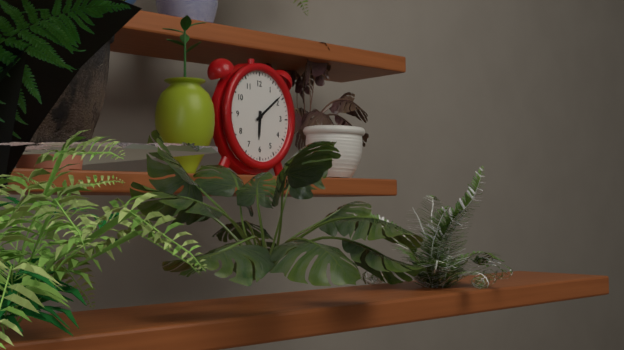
**6:09**
